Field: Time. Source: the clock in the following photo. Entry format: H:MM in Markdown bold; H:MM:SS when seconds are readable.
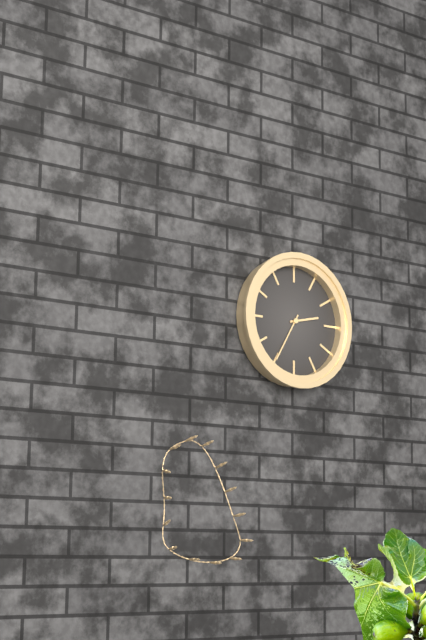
**2:35**
